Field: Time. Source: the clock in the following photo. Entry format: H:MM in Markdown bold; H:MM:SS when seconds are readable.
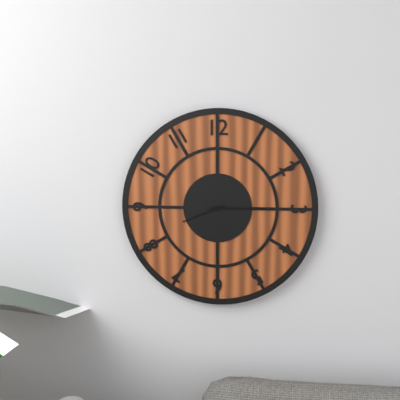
**8:15**
